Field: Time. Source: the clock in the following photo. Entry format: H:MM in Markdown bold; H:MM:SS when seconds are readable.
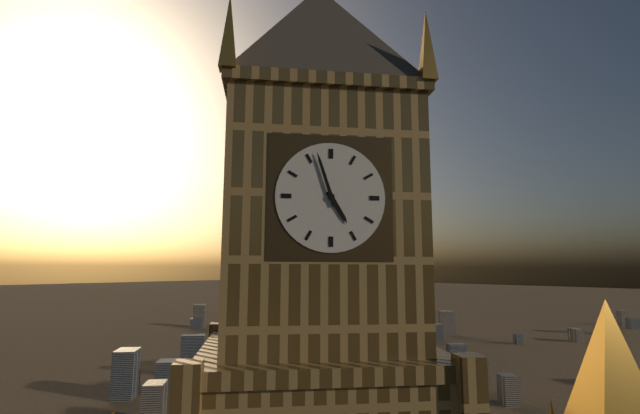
**4:57**
